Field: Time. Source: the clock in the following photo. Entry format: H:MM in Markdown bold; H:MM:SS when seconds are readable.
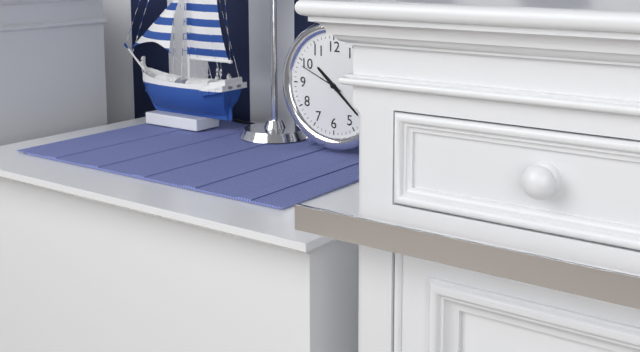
**10:22**
